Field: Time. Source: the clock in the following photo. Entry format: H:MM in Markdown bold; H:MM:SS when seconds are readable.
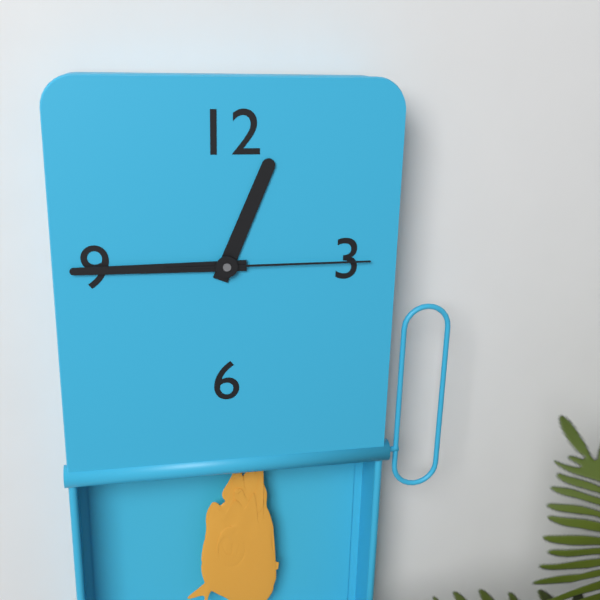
**12:45:15**
